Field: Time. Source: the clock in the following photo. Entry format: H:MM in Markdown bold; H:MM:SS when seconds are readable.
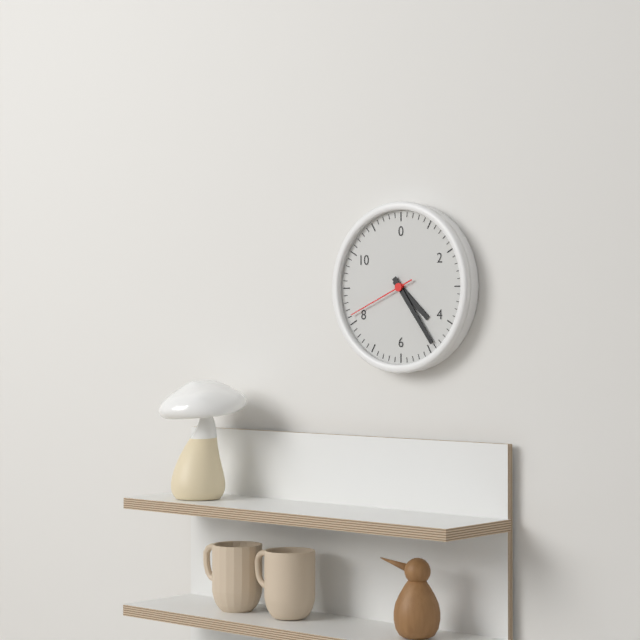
**4:24:41**
